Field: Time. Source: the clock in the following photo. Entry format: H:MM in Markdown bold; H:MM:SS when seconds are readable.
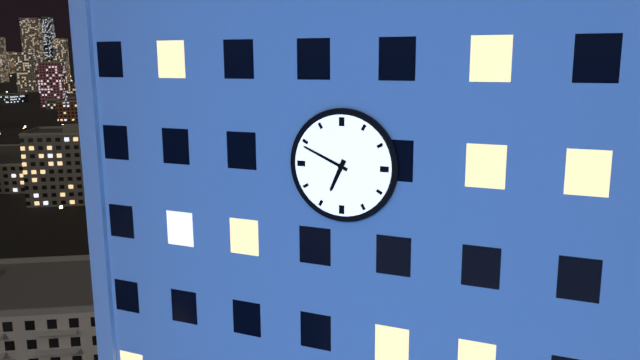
**6:49**
